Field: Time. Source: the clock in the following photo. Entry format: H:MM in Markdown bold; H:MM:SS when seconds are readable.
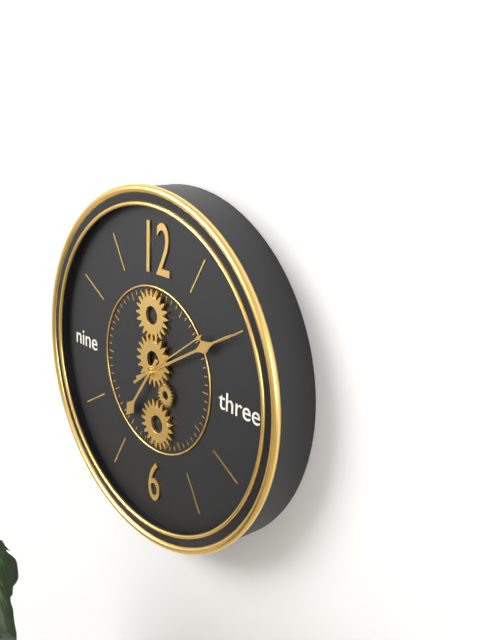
**7:10:09**
